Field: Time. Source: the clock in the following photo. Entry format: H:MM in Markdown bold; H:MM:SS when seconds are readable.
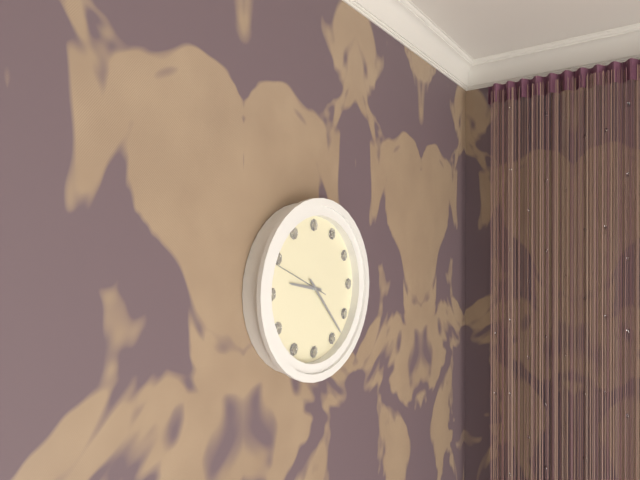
**9:23:49**
